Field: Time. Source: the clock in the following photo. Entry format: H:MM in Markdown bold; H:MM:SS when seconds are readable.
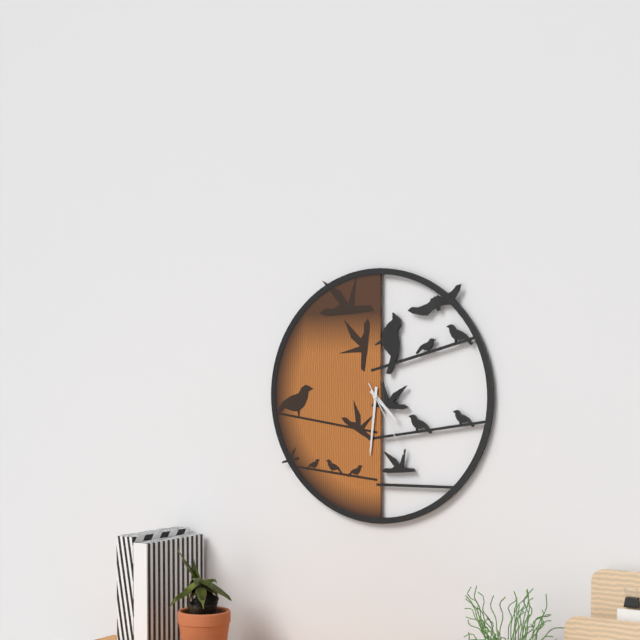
**4:31:25**
